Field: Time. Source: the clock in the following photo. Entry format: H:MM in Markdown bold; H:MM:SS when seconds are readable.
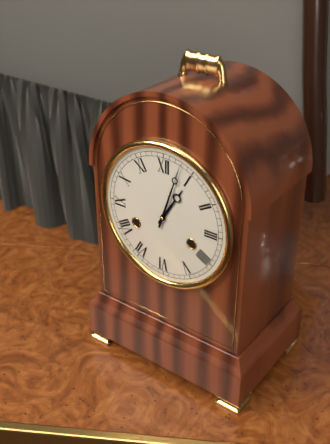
**1:03**
